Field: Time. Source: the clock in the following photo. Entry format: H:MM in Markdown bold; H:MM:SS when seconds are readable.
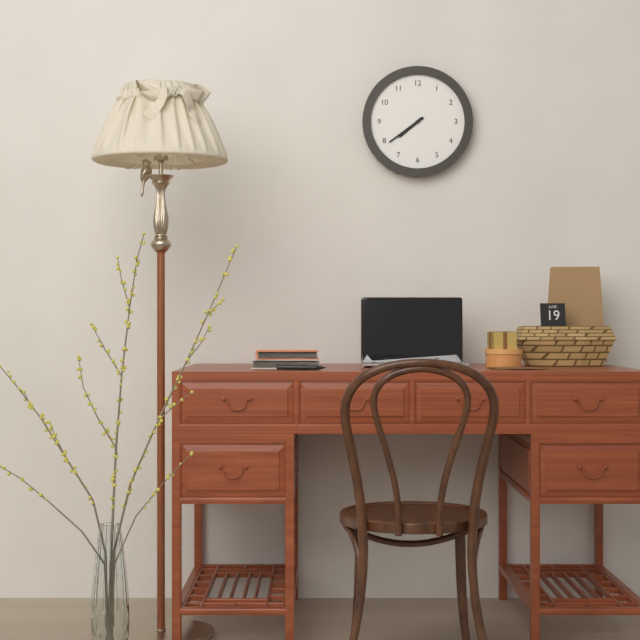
**7:39**
